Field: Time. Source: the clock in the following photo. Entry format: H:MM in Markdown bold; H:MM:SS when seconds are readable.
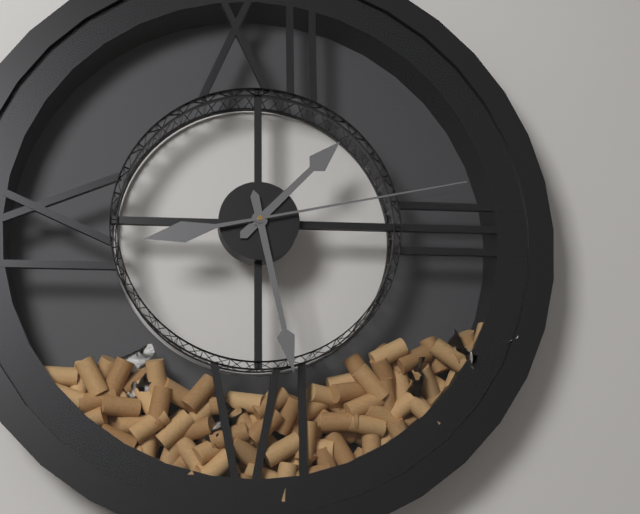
**1:28:13**
